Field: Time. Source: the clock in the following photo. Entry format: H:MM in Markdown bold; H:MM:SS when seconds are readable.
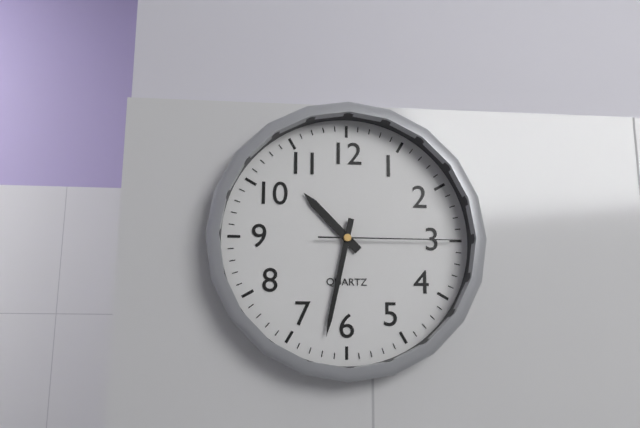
**10:32:15**
